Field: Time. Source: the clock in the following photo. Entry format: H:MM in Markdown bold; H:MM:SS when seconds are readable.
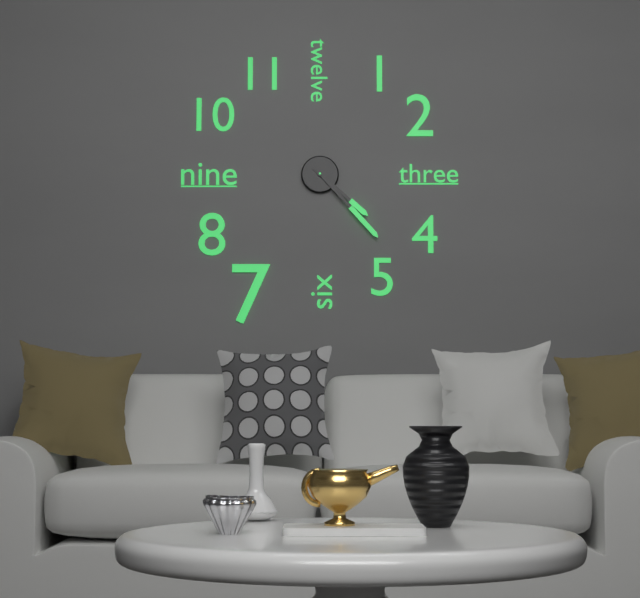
**4:23**
